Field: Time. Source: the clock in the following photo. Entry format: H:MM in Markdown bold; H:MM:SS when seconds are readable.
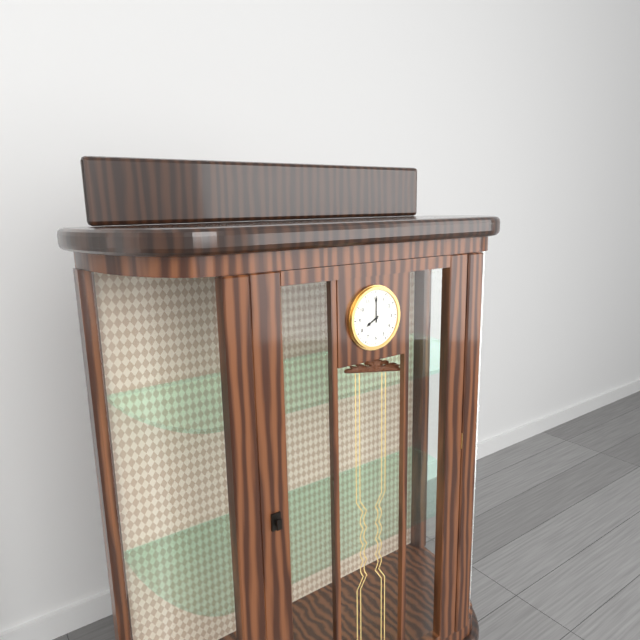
**8:00**
